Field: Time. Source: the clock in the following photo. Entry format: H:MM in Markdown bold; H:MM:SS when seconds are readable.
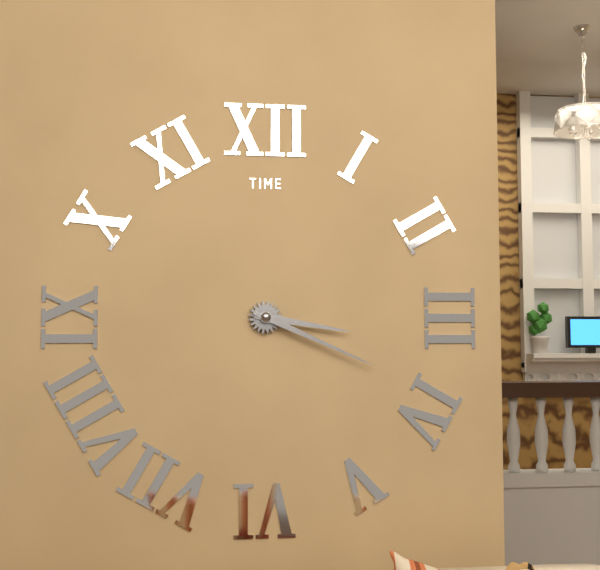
**3:19**
